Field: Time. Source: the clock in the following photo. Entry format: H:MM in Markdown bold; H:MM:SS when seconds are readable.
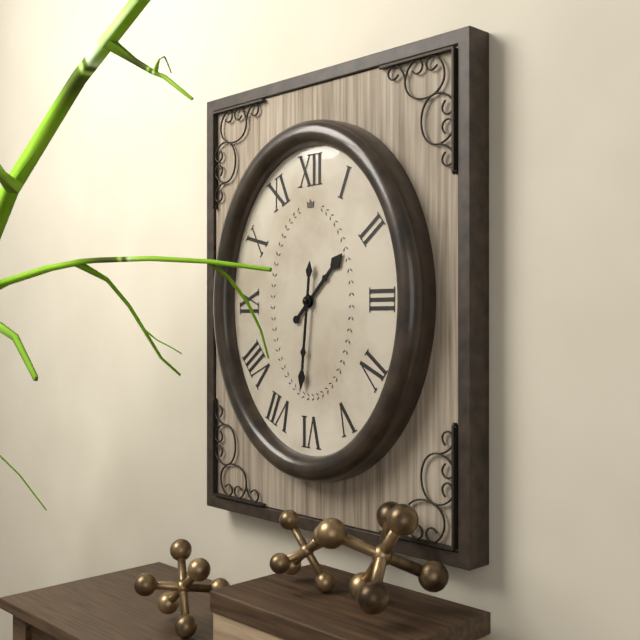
**1:31**
